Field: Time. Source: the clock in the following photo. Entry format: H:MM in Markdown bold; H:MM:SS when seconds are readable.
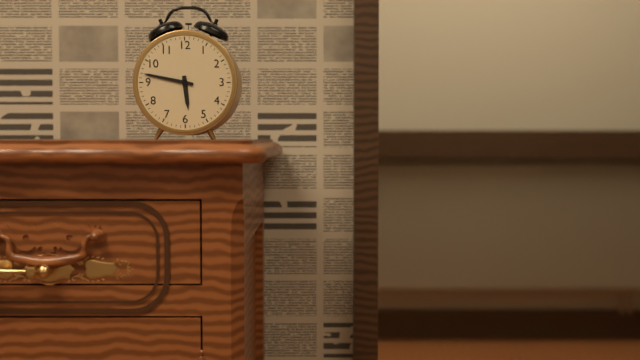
**5:47**
